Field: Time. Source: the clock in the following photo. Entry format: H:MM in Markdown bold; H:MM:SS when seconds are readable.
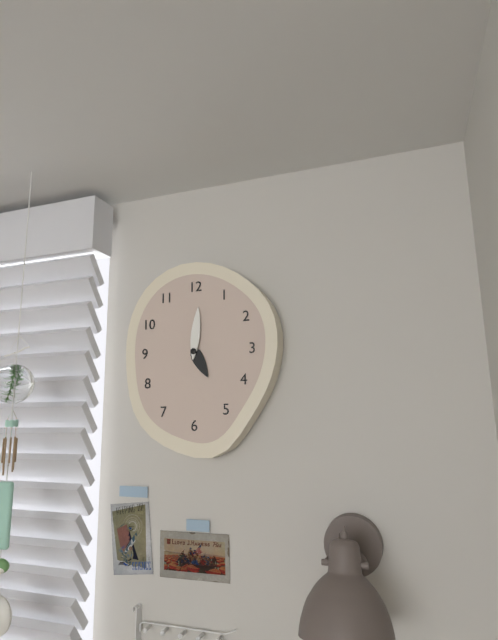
**5:01**
